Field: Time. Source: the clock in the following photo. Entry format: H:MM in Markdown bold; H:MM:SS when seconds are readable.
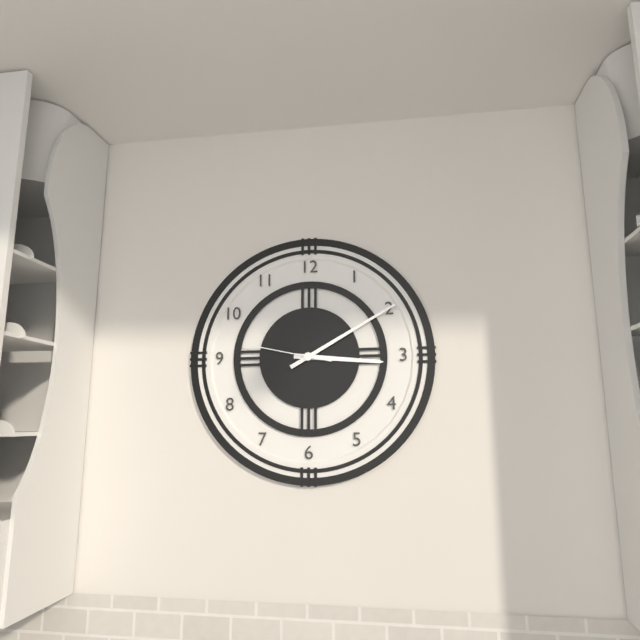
**3:10:47**
